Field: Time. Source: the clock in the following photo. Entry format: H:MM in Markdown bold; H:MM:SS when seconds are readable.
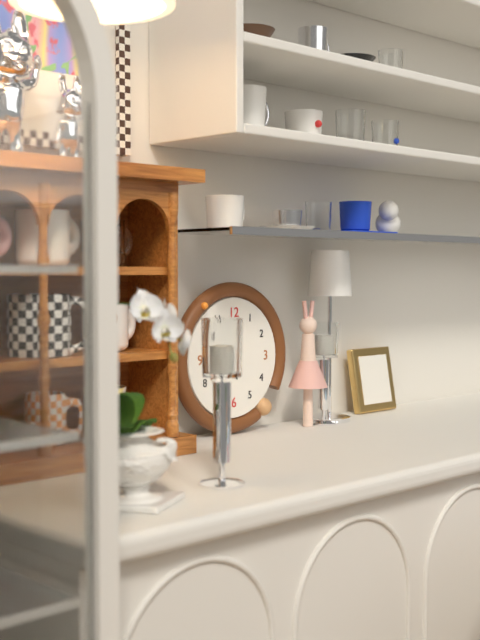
**5:40**
